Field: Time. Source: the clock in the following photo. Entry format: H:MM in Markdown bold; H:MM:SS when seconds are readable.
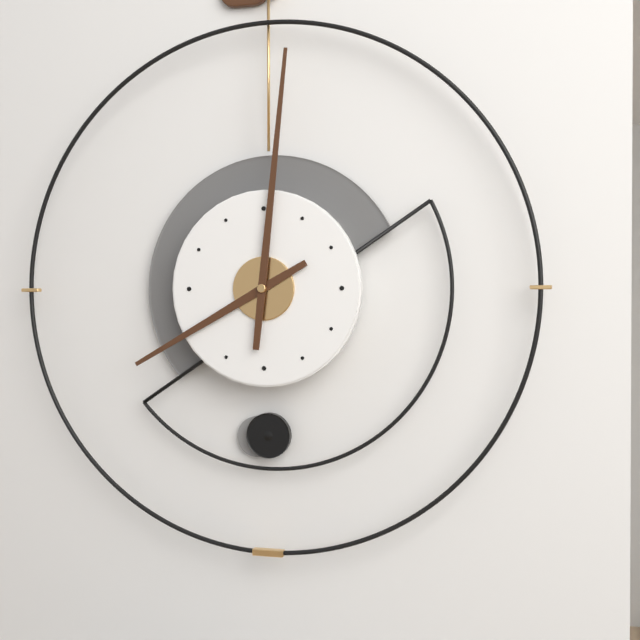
**8:01**
